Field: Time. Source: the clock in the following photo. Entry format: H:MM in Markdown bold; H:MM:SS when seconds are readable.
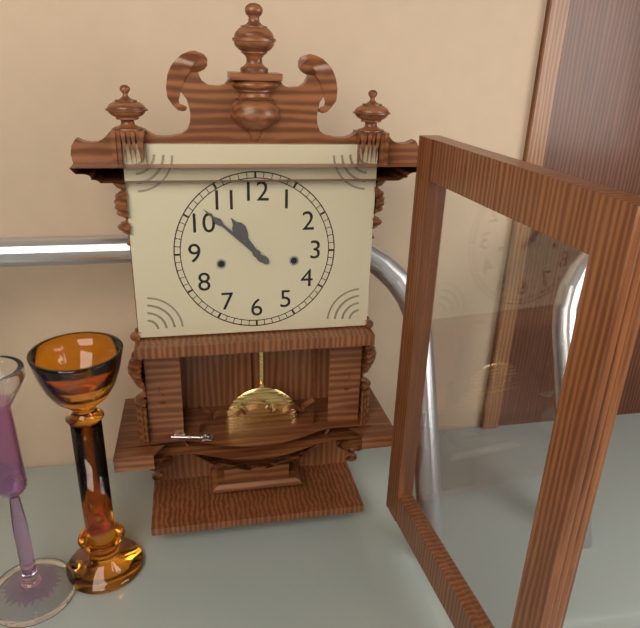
**10:52**
